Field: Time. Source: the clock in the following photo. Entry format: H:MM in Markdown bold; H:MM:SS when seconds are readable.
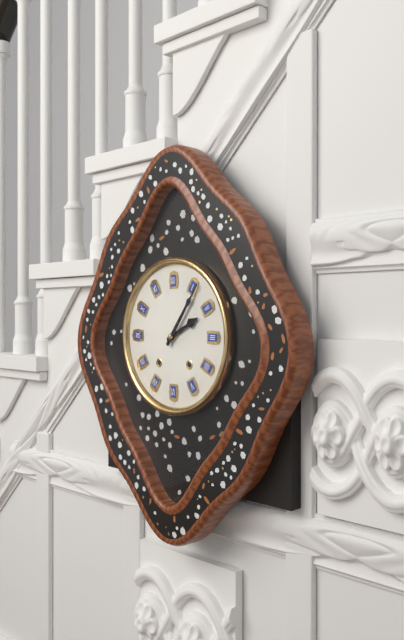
**2:06**
